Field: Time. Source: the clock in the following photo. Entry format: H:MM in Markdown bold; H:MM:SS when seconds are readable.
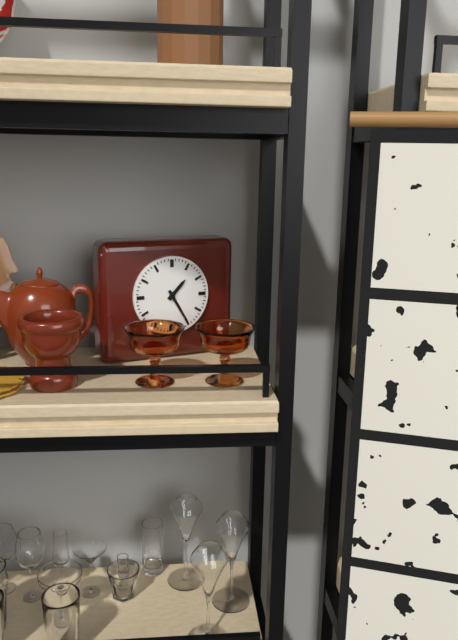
**1:25**
